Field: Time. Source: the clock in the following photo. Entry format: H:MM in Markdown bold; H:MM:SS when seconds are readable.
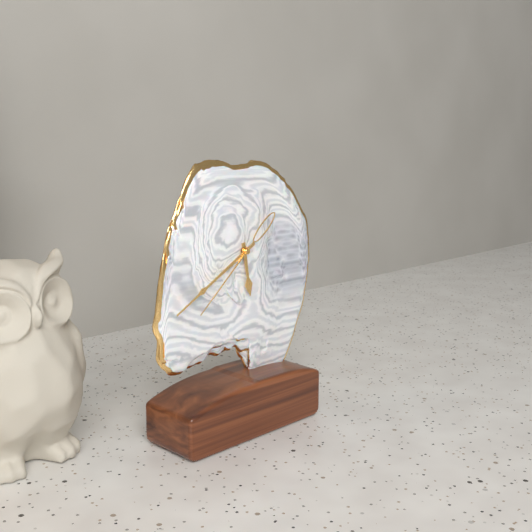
**5:40:38**
